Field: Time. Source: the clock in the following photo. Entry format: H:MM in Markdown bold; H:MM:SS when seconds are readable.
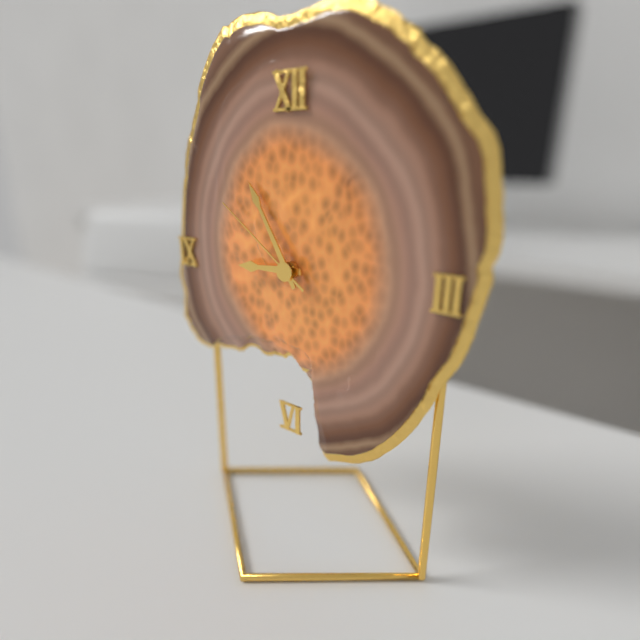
**8:55:51**
